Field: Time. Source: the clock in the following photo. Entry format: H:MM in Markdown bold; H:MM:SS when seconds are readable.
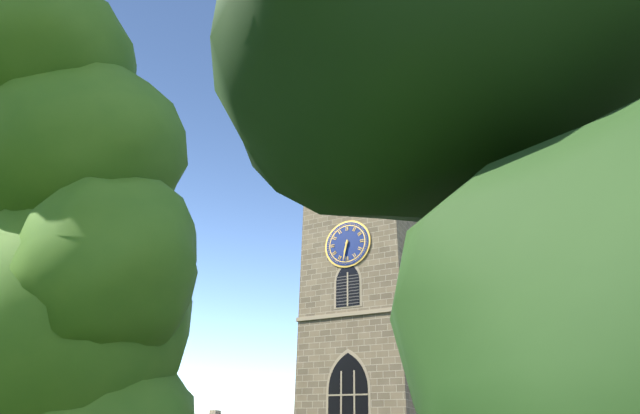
**6:32**
